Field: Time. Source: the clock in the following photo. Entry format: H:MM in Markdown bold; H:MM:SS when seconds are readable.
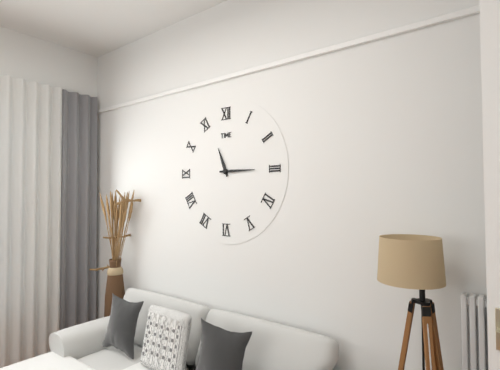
**11:15**
